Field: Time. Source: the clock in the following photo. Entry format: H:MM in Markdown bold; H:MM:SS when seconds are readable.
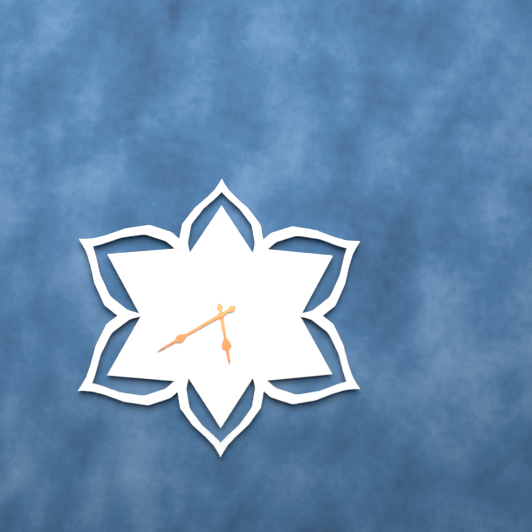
**5:40**
